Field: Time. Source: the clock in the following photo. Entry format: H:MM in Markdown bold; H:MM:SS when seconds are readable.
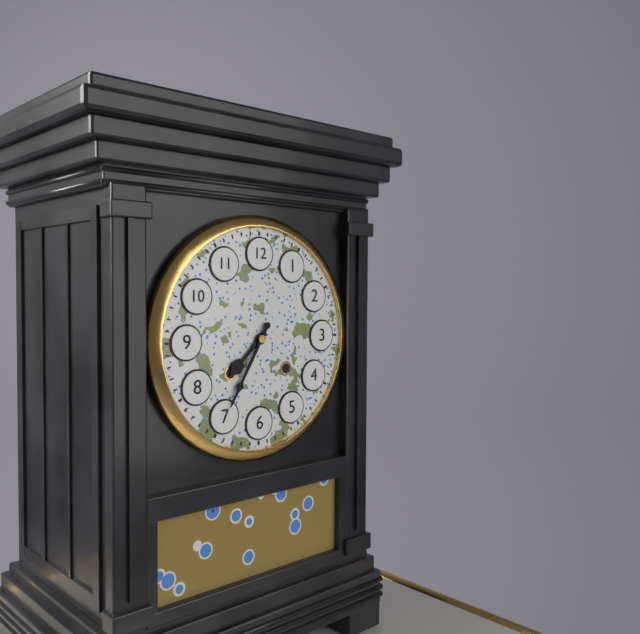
**7:35**
